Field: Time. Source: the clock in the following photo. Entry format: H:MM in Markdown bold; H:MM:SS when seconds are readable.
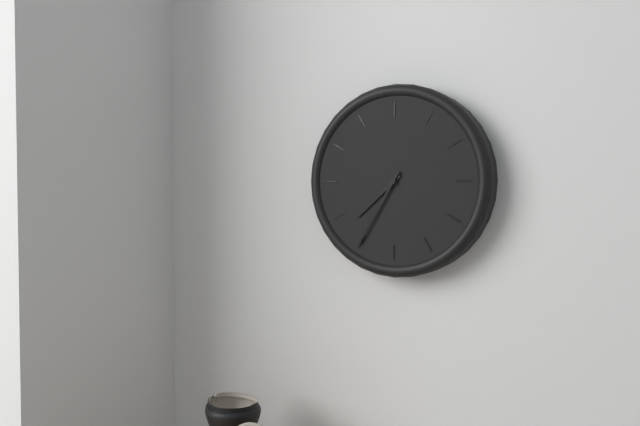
**7:35**
